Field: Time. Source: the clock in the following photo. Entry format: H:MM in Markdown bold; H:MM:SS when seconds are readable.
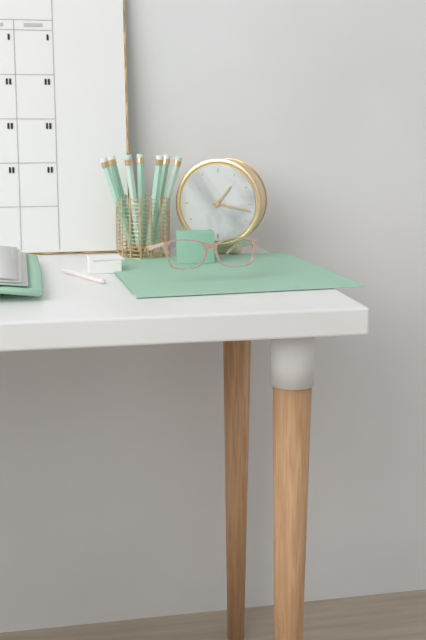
**1:17**
